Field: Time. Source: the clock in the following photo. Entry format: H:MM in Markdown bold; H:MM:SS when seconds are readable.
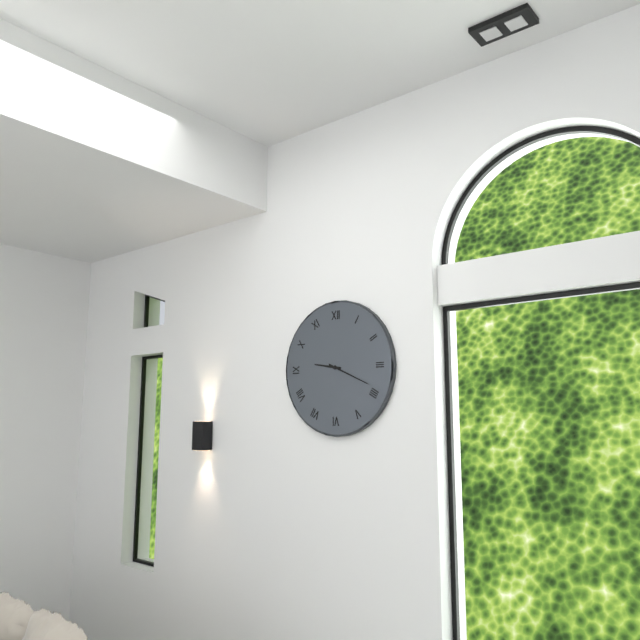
**9:19**
